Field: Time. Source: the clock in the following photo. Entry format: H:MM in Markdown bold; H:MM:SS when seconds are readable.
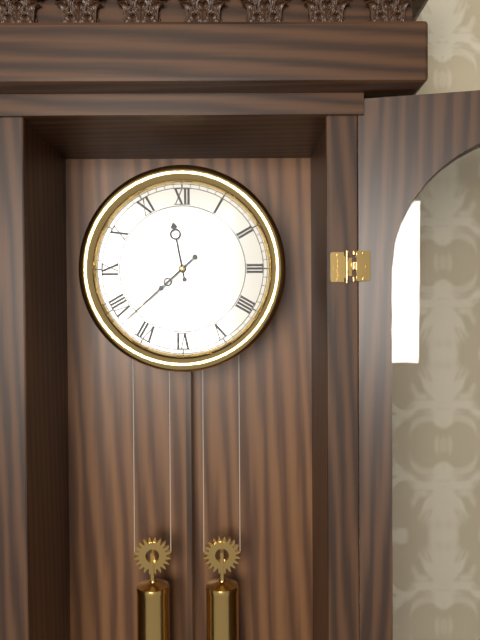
**11:38**
